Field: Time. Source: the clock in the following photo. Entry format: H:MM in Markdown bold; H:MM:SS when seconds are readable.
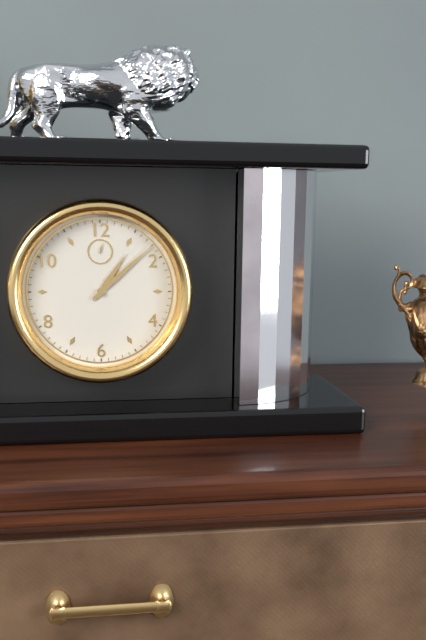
**1:08**
